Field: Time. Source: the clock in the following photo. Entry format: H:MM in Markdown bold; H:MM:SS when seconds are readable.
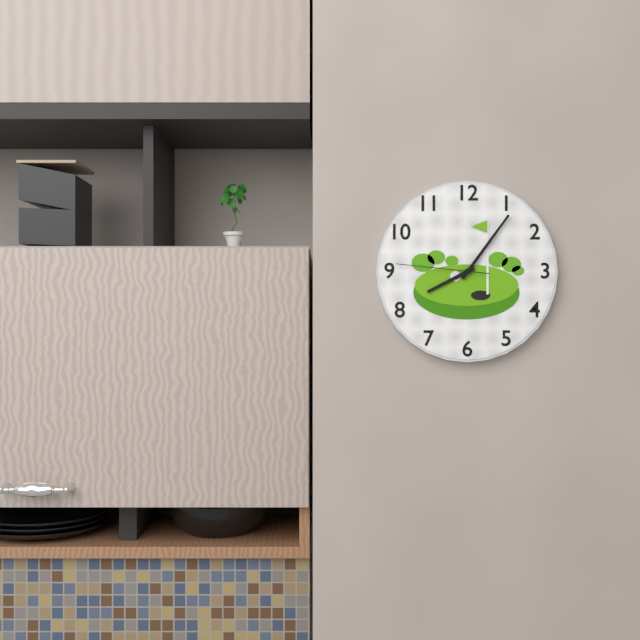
**8:06:46**
